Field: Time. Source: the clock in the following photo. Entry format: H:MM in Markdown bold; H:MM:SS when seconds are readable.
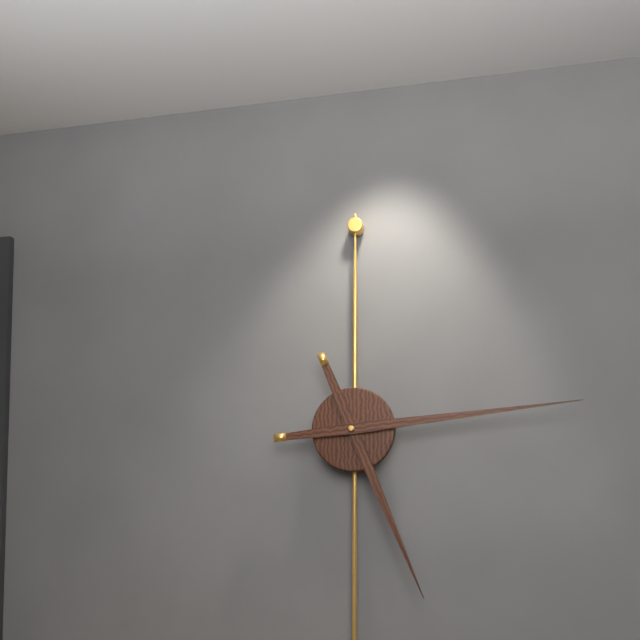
**5:14**
